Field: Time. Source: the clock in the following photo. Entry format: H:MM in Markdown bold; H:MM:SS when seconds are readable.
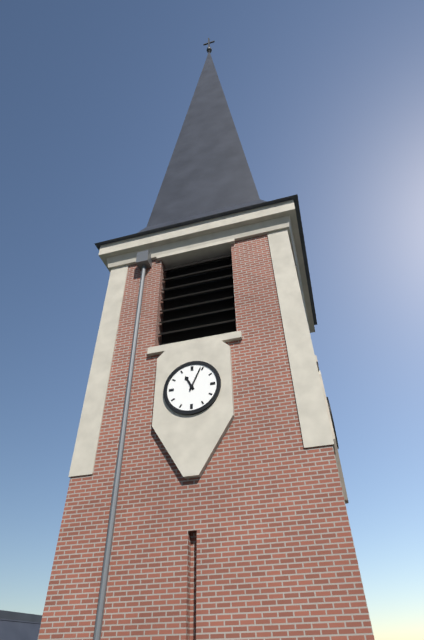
**11:04**
